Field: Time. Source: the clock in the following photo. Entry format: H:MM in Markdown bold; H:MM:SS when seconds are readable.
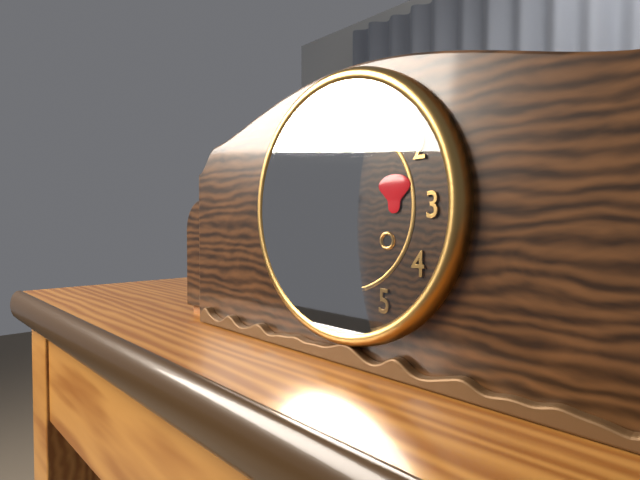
**7:38**
